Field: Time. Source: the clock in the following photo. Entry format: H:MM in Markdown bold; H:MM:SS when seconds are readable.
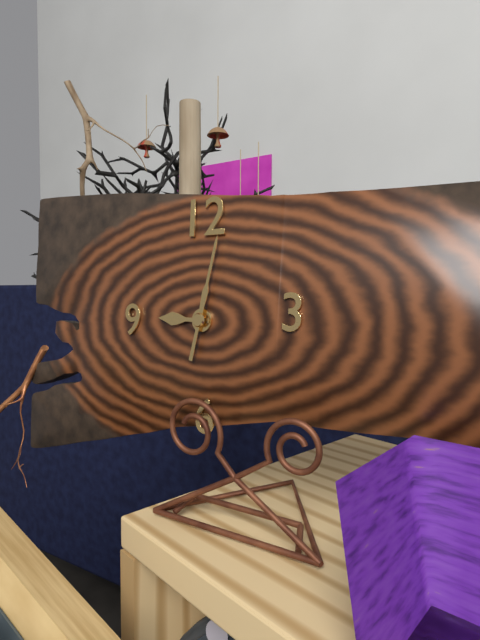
**9:02**
